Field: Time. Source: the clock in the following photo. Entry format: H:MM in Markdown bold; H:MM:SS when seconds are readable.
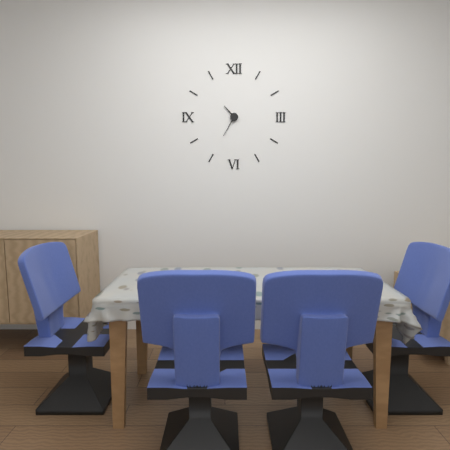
**10:35**
